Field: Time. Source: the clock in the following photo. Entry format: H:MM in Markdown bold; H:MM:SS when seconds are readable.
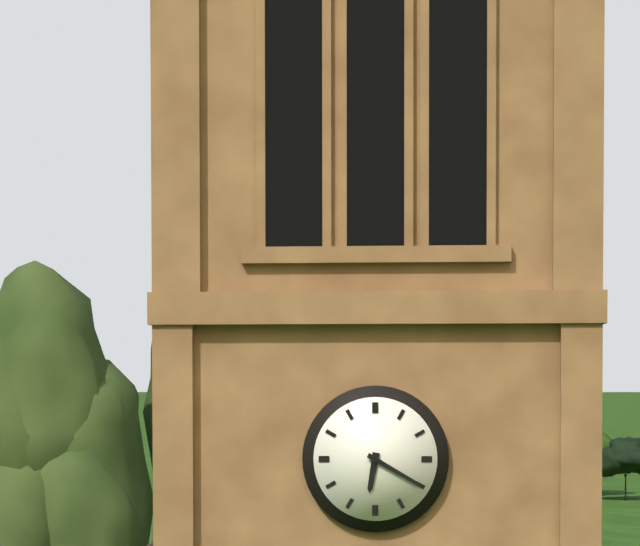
**6:20**
